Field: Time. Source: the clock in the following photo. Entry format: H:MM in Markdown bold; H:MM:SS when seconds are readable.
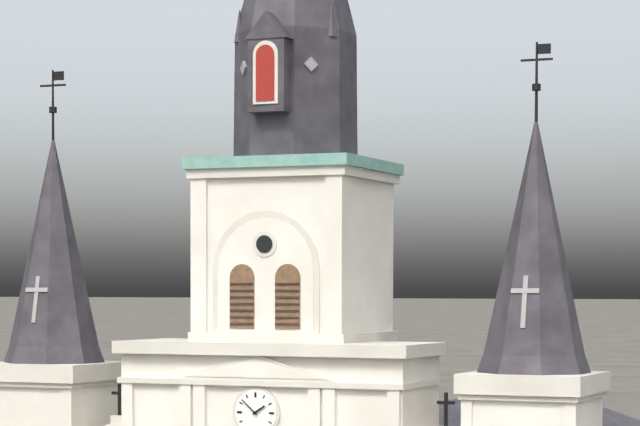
**1:52**
